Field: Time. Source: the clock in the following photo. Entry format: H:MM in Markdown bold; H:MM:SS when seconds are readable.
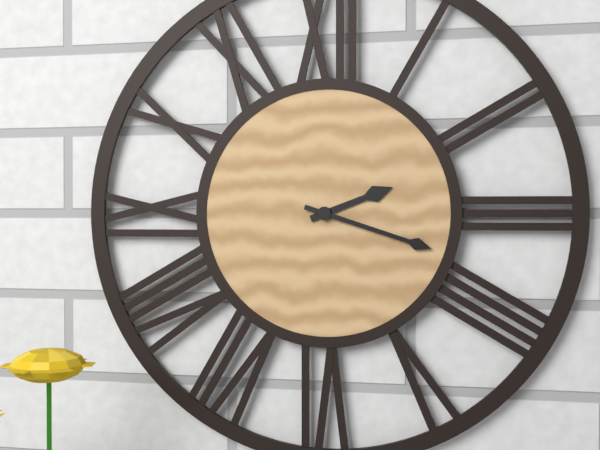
**2:18**
